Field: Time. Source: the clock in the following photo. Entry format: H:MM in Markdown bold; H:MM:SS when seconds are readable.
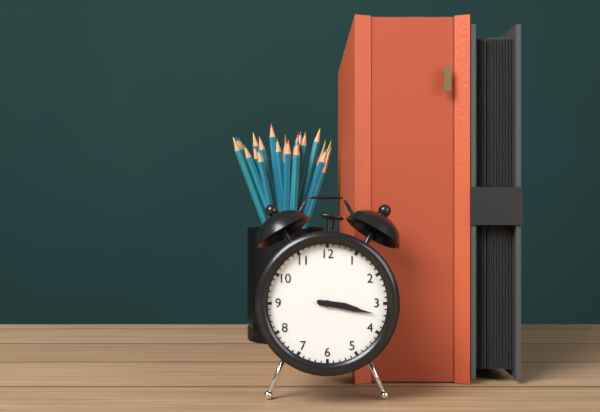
**3:17**
